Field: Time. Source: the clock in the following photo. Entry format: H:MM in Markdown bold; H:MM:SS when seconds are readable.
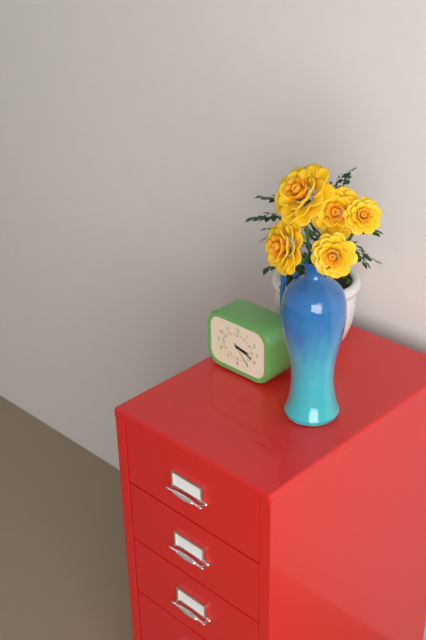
**3:18**
